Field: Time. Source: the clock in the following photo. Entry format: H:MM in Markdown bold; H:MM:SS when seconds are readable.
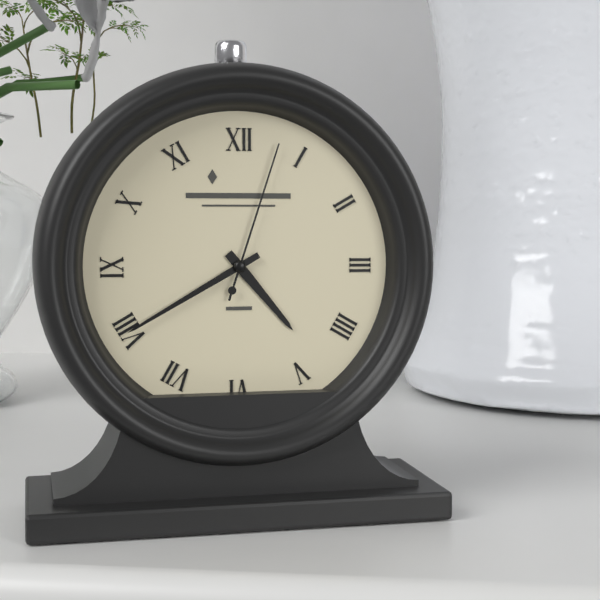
**4:40:03**
